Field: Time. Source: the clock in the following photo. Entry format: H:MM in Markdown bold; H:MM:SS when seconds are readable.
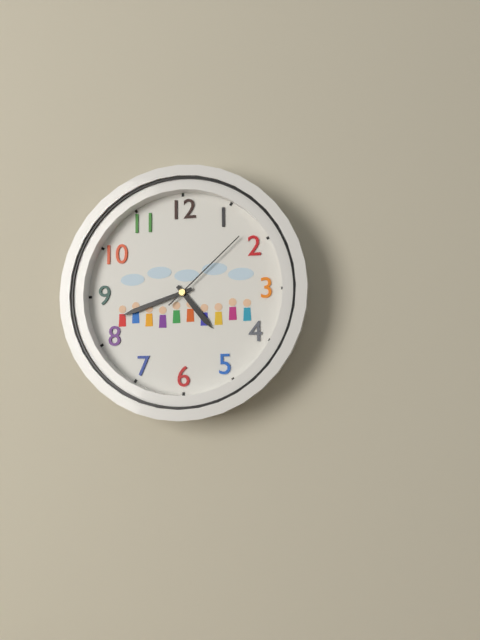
**4:42:08**
